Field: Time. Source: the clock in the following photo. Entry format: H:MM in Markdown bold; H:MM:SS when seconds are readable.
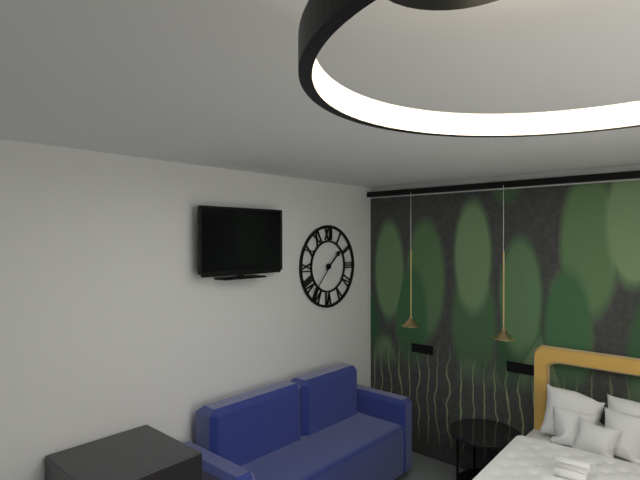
**1:37**
